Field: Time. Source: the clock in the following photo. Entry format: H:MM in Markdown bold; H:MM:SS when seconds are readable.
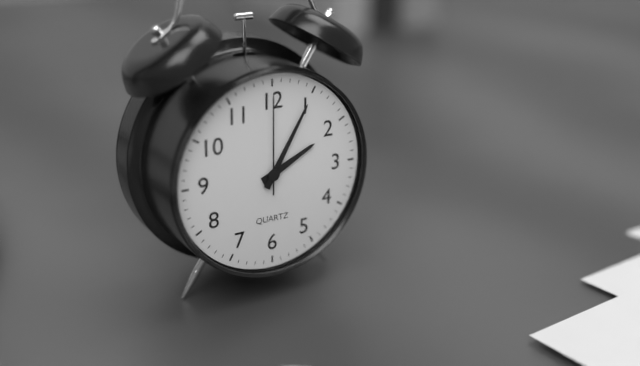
**2:05:00**
